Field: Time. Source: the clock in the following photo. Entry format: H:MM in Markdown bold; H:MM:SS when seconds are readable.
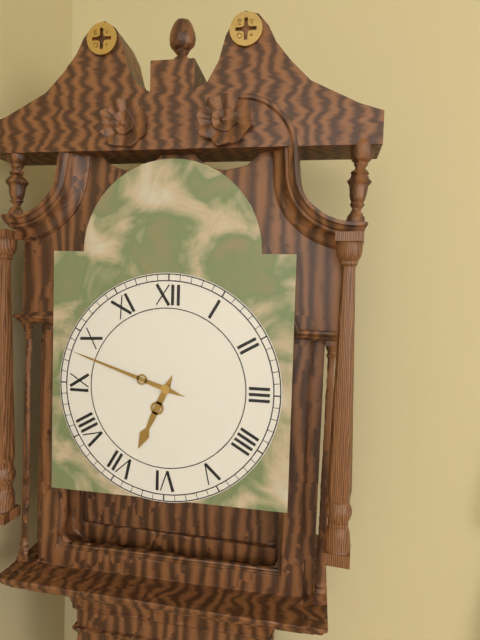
**6:48**
